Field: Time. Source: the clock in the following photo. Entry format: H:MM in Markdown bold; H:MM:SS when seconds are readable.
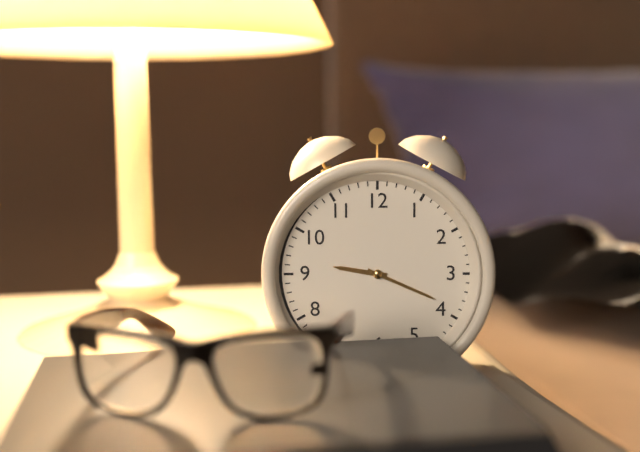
**9:19**
